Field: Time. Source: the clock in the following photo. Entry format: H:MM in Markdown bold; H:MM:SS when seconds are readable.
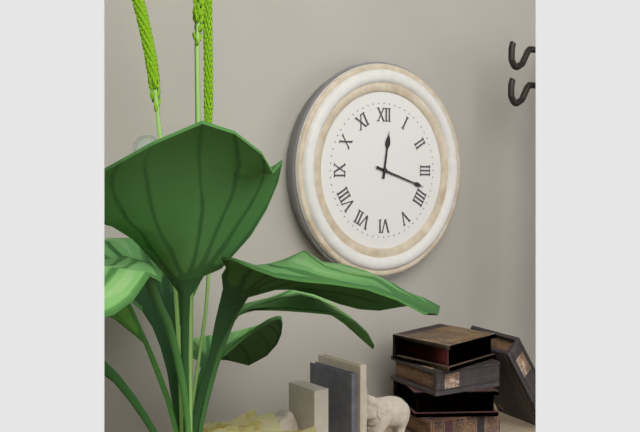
**12:18**
